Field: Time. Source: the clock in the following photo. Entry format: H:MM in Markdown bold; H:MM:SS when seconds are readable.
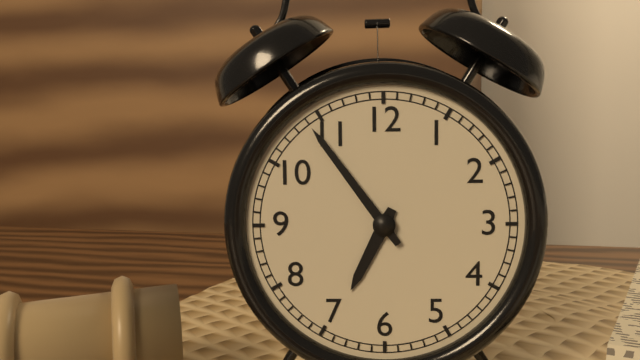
**6:54**
